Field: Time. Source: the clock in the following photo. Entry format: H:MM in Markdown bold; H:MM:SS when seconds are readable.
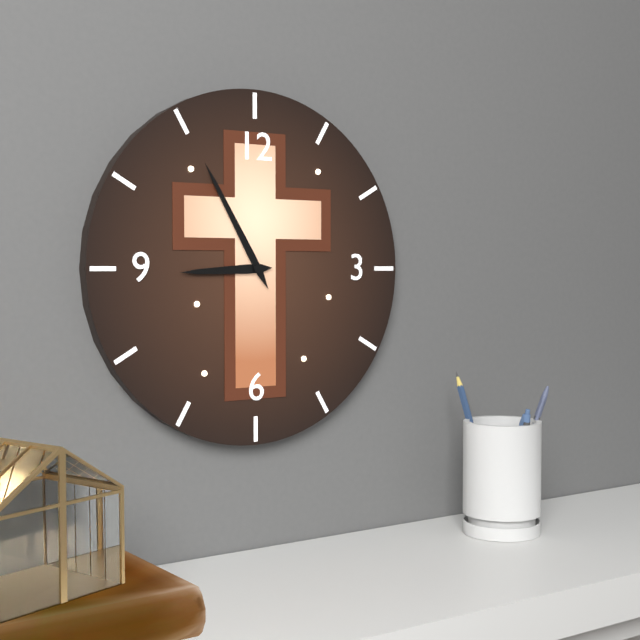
**8:55**
